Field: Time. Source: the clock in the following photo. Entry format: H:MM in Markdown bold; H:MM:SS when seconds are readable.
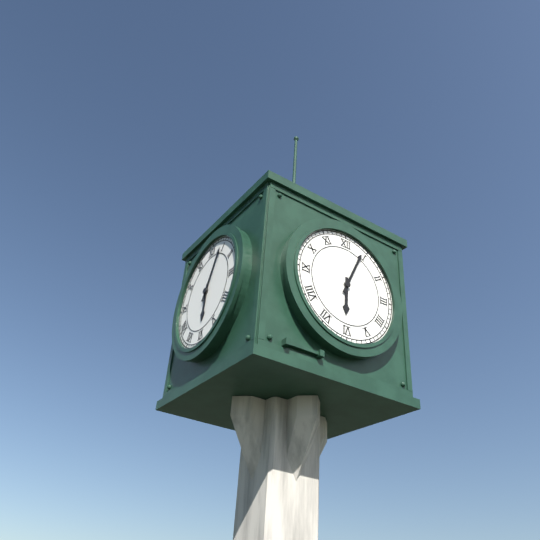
**6:04**
